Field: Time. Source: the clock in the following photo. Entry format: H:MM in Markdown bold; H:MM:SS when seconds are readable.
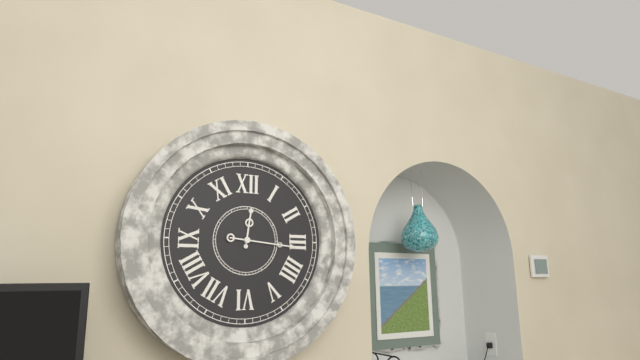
**12:16**
